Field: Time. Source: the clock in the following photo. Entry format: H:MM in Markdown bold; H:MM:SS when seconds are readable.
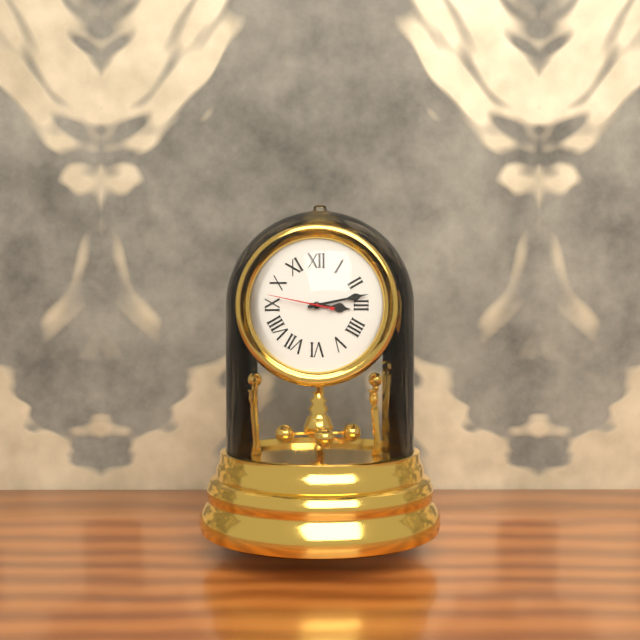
**3:13:47**
